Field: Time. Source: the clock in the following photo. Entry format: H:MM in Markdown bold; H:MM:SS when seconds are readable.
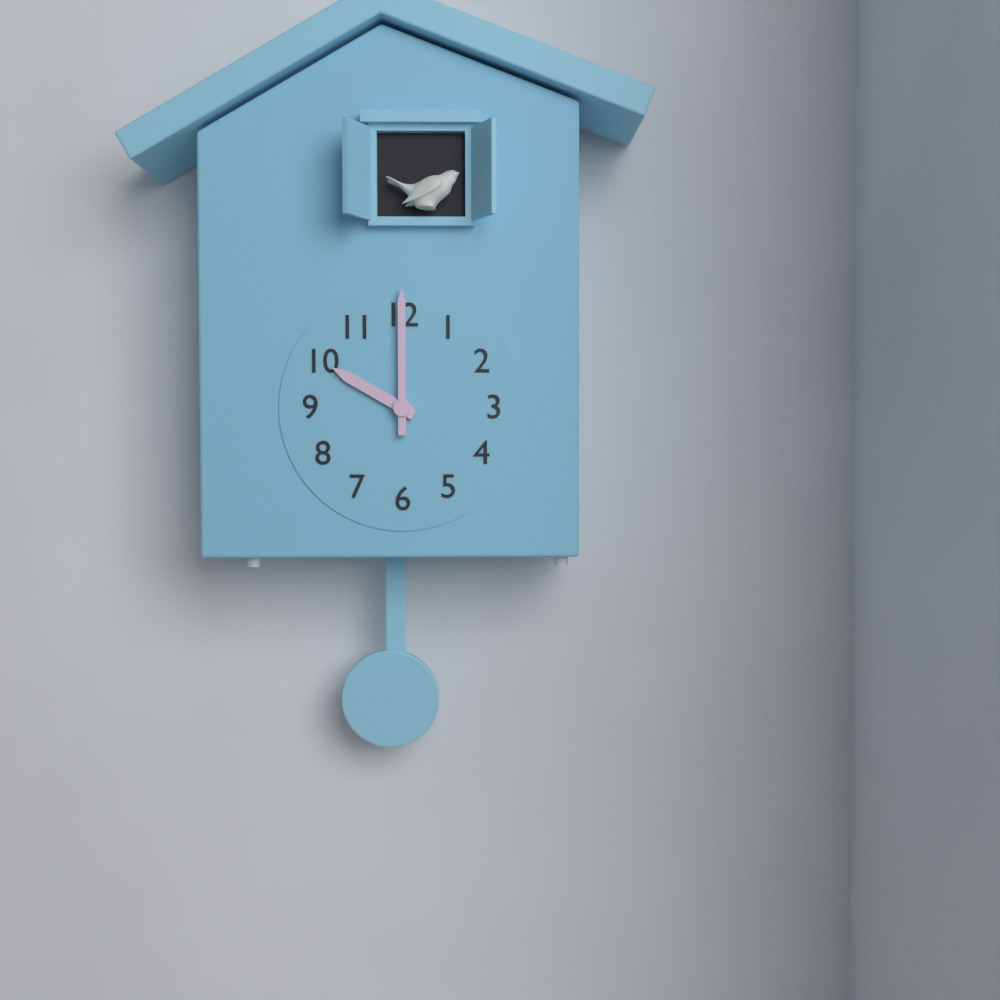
**10:00**
